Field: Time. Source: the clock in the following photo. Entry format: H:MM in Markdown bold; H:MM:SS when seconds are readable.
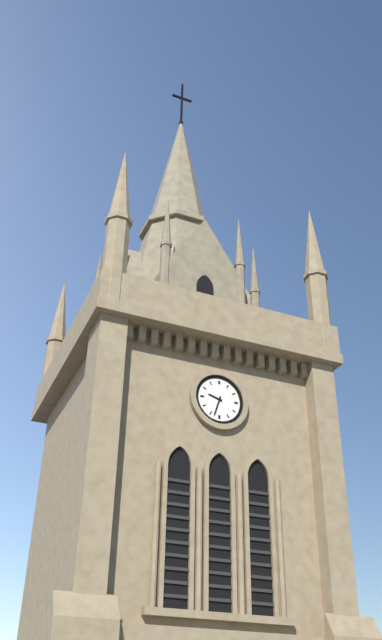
**9:33**
